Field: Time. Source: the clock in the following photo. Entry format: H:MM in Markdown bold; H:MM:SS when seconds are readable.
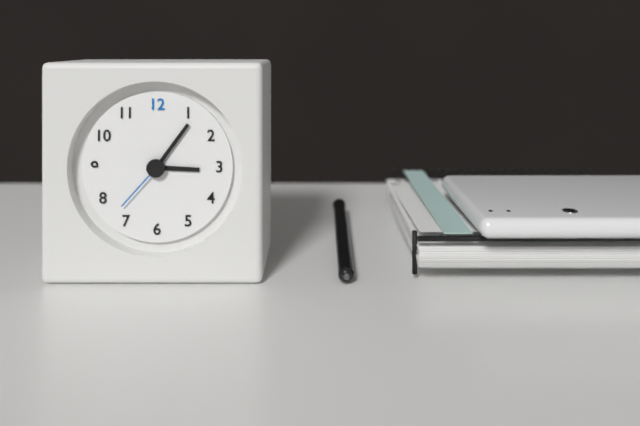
**3:06:37**
